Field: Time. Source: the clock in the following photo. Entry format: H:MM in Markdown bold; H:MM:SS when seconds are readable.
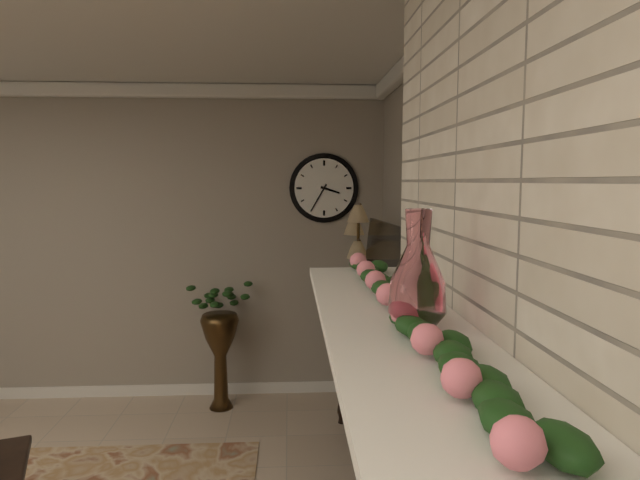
**3:35**
